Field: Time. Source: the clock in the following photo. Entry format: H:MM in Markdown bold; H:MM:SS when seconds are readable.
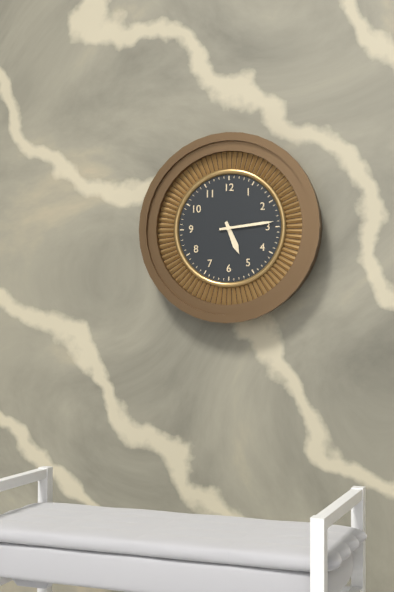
**5:14**
